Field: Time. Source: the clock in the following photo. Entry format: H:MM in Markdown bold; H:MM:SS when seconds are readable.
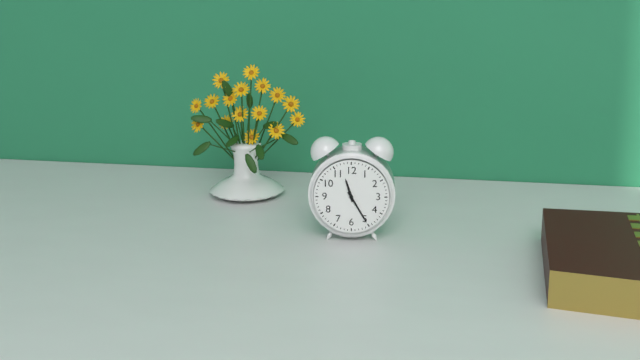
**11:25**
